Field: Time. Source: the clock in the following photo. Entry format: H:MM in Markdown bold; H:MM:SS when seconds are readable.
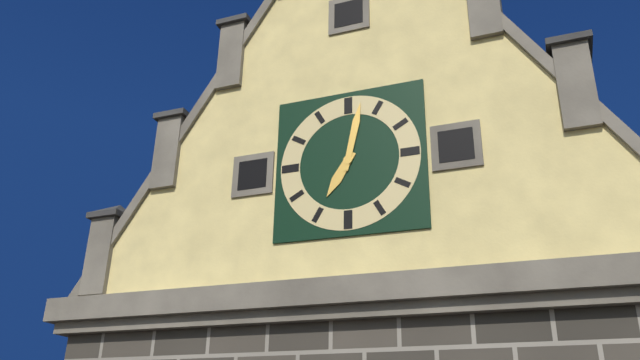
**7:02**
